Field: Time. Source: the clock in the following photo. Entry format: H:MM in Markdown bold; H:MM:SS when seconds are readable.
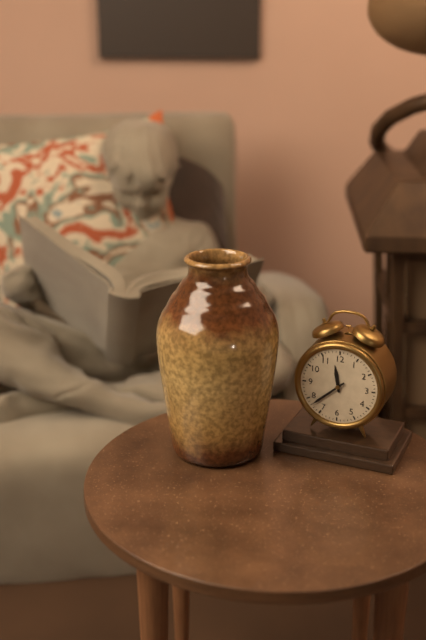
**11:38**
